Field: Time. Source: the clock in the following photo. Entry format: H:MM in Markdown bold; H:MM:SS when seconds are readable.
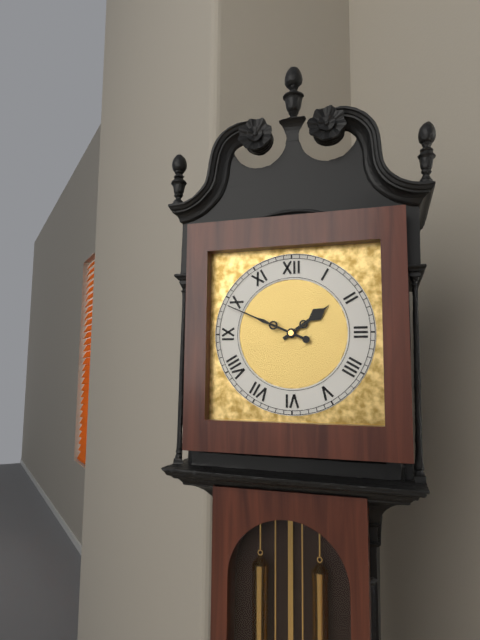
**1:49**
